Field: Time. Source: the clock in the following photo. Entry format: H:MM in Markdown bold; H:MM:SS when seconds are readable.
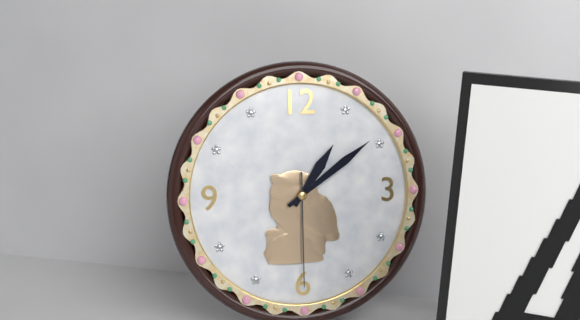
**1:09:30**
